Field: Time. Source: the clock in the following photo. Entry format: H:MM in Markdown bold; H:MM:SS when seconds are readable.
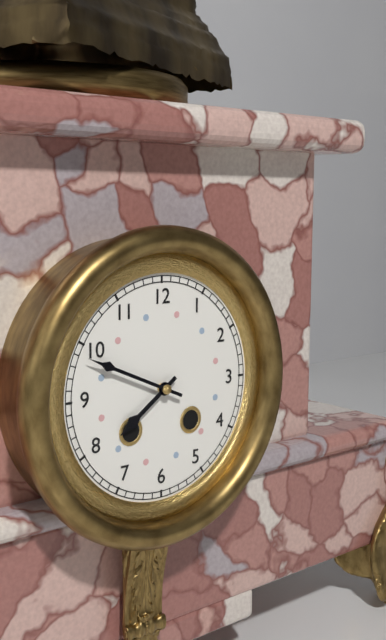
**7:49**
